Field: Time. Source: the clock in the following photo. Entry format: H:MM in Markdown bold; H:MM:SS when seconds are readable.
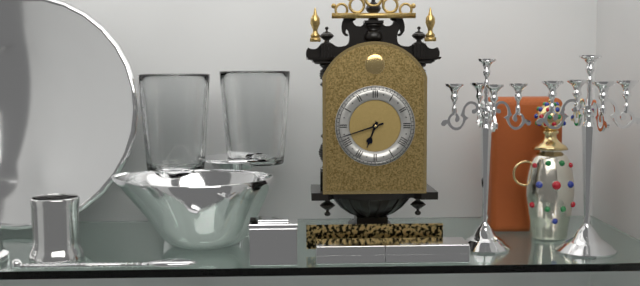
**6:42**
